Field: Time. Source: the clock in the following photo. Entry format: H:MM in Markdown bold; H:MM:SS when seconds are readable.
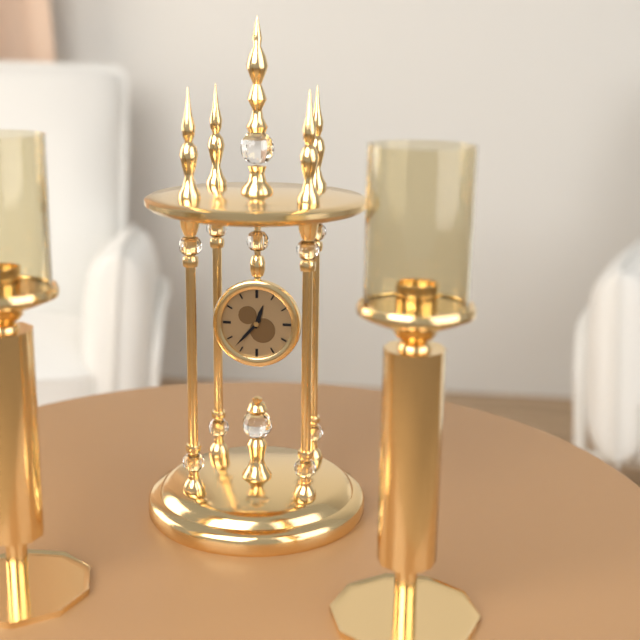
**12:37**
